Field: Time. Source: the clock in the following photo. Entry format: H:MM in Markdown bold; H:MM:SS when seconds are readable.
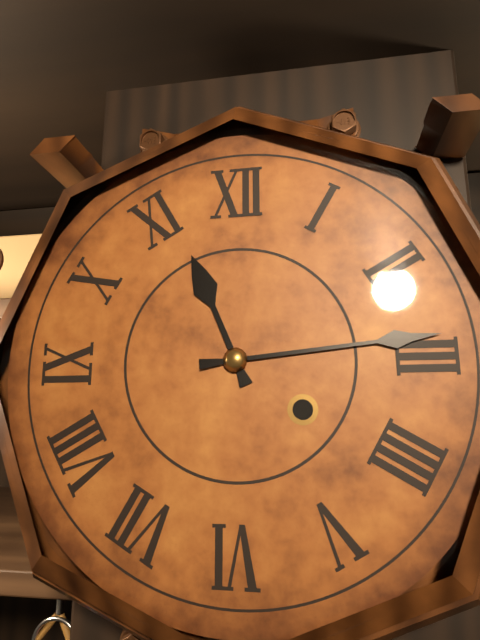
**11:14**
